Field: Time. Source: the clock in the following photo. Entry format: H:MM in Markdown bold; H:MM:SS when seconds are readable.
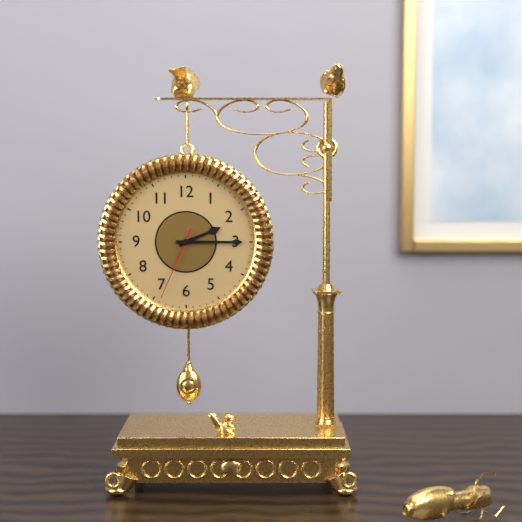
**2:15:34**
